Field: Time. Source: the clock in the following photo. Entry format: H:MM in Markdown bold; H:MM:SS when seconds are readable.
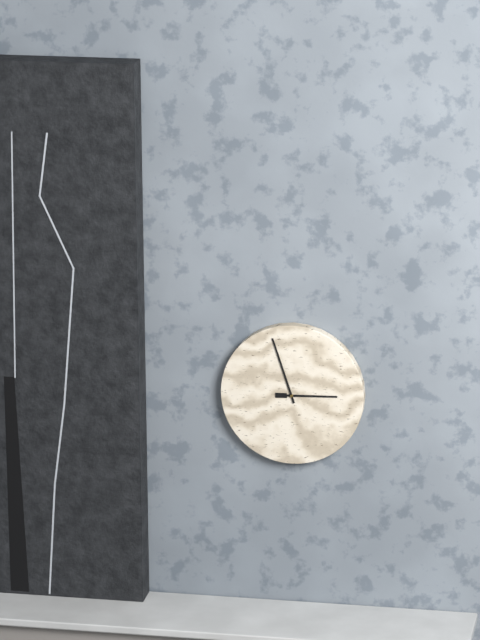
**2:57**
